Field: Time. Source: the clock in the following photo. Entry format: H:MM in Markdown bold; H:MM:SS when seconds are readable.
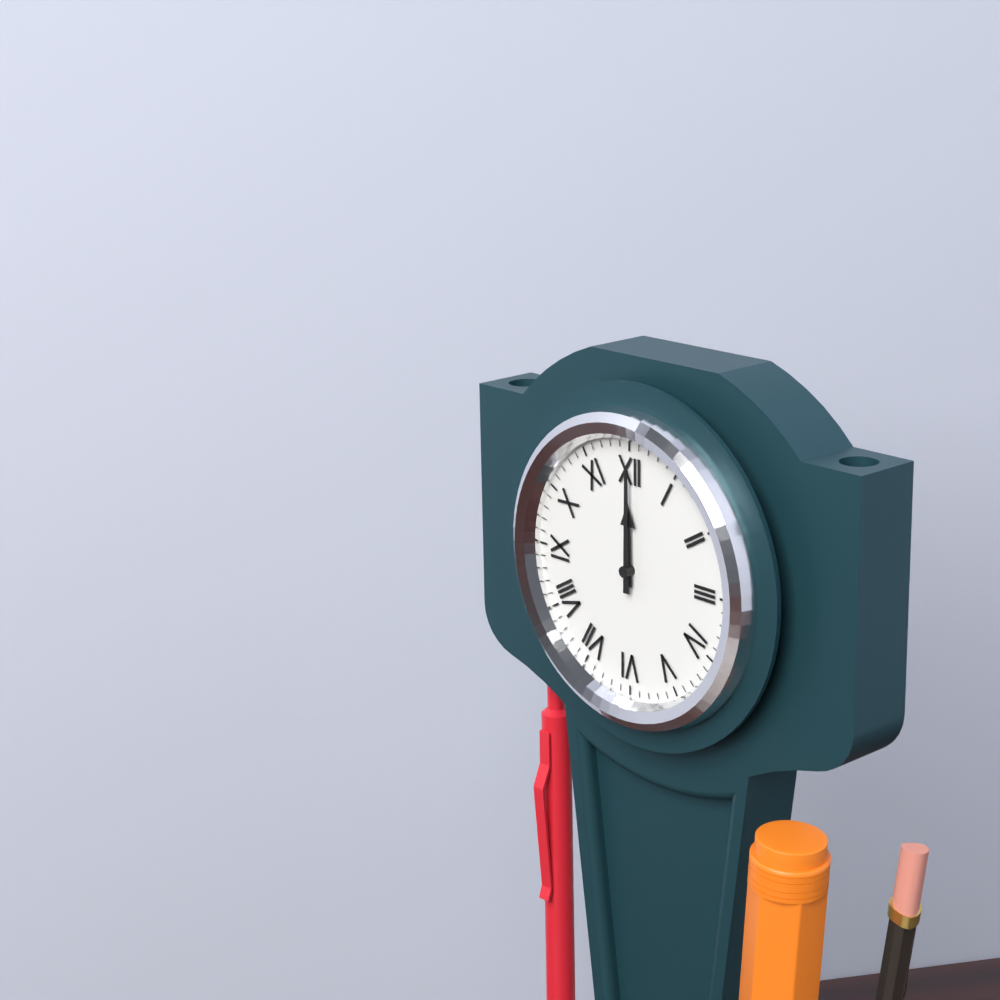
**12:00**
